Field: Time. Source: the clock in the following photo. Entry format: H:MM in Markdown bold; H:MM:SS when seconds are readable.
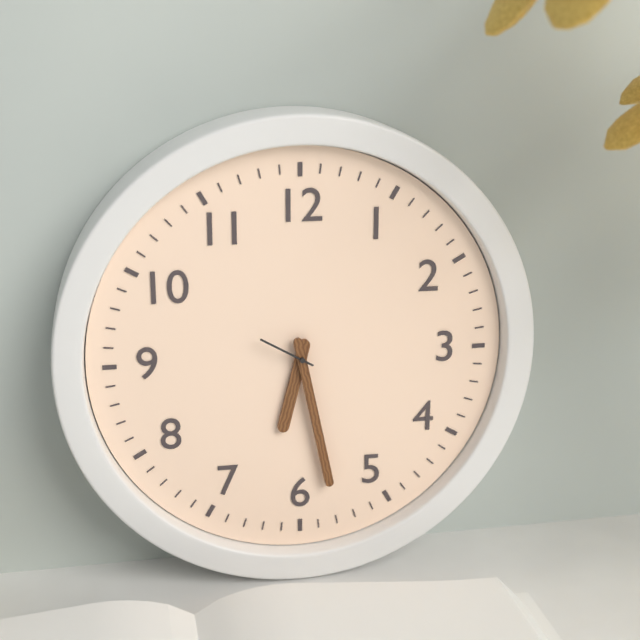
**6:28:50**
